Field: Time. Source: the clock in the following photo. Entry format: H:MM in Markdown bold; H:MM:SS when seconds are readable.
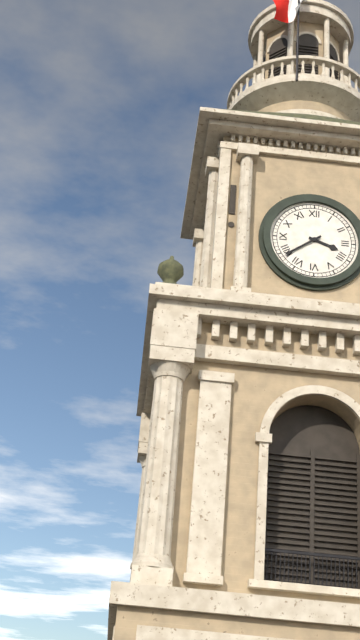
**3:39**
